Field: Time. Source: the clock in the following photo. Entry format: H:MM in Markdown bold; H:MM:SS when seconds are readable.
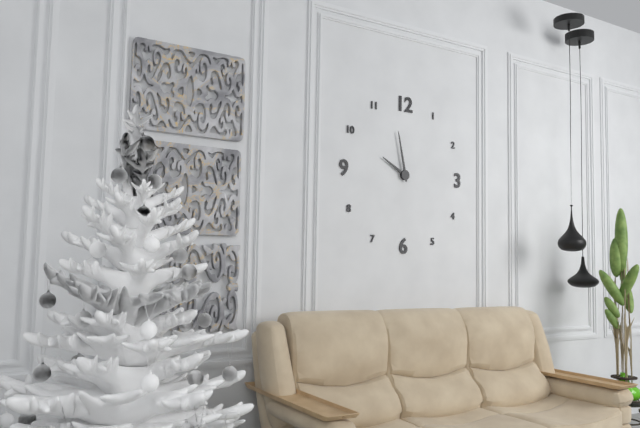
**9:58**
